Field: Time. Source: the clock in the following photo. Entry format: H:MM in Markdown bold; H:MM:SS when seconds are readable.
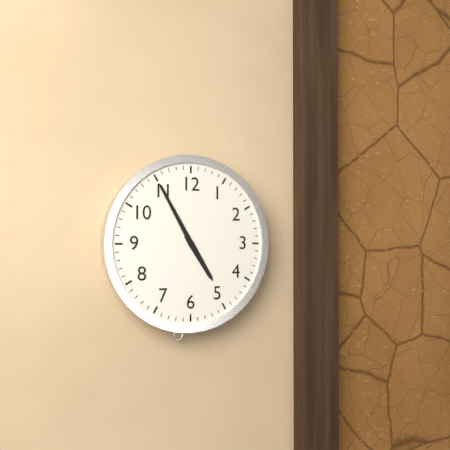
**4:55**
